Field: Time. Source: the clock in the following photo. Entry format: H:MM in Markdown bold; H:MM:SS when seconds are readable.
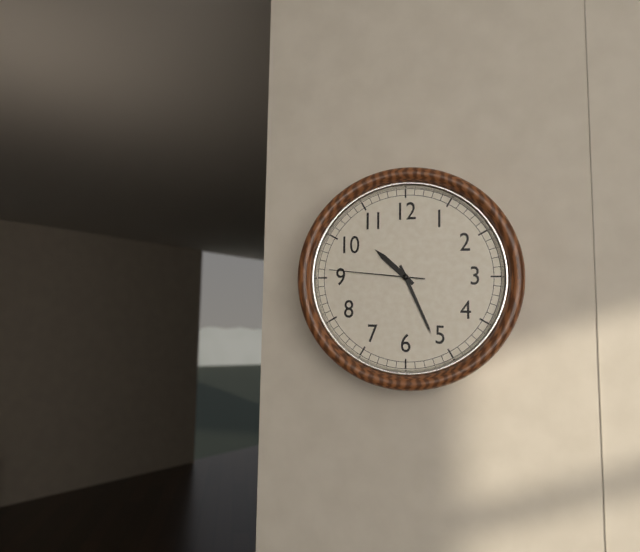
**10:26:46**
